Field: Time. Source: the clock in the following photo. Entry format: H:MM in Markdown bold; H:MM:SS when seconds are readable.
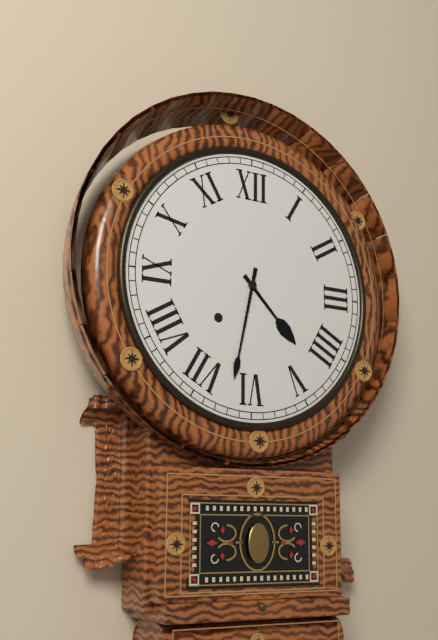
**4:32**
